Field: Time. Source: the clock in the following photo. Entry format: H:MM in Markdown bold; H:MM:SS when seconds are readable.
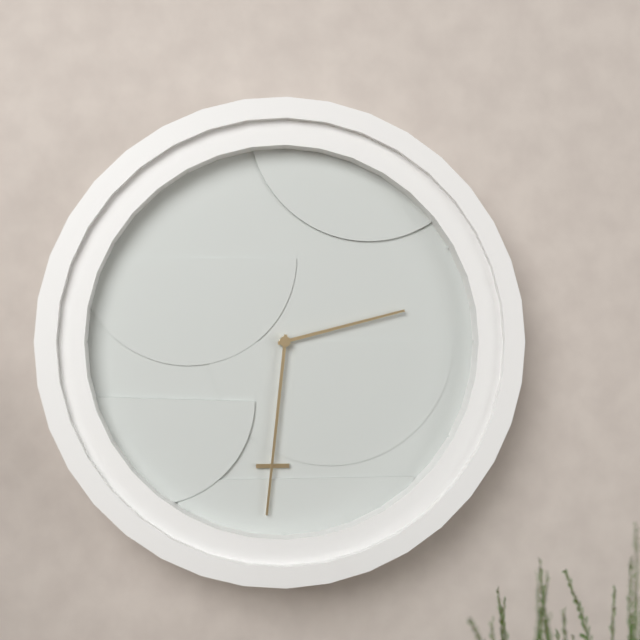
**2:31**
